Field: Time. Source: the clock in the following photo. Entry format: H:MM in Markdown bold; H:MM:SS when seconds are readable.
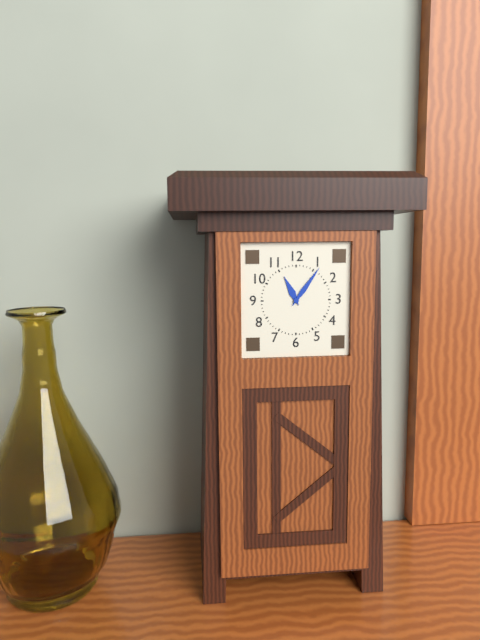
**11:06**
